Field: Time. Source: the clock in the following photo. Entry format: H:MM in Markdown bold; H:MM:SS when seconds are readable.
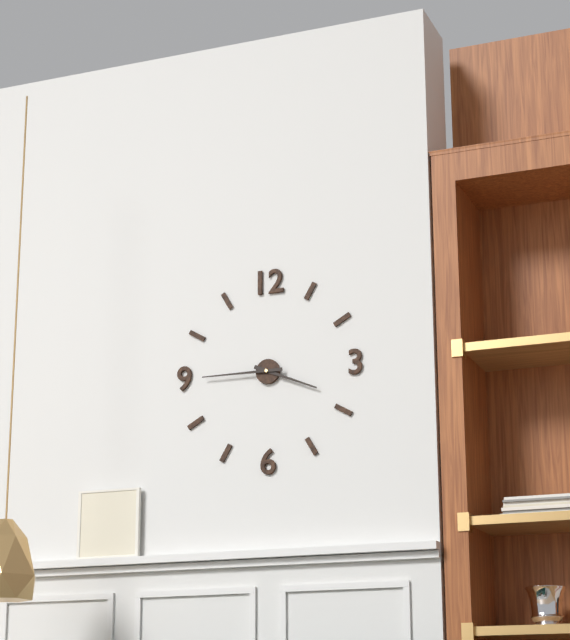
**3:45**
